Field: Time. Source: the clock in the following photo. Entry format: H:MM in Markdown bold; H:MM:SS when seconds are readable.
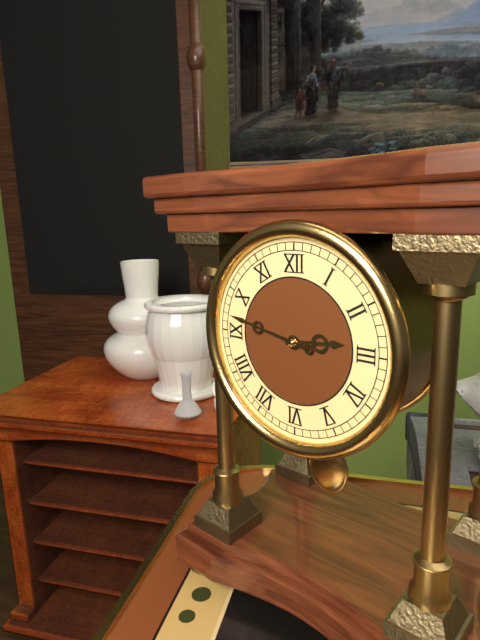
**2:47**
